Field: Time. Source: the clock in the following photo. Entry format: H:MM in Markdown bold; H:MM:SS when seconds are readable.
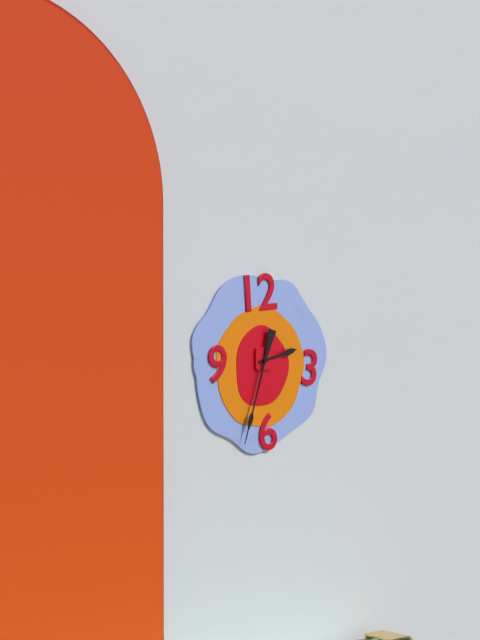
**2:33**
